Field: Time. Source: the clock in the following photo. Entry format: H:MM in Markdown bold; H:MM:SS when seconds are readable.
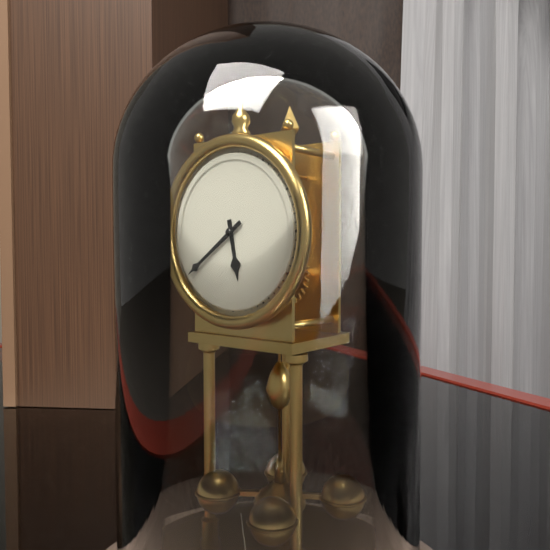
**5:39**
